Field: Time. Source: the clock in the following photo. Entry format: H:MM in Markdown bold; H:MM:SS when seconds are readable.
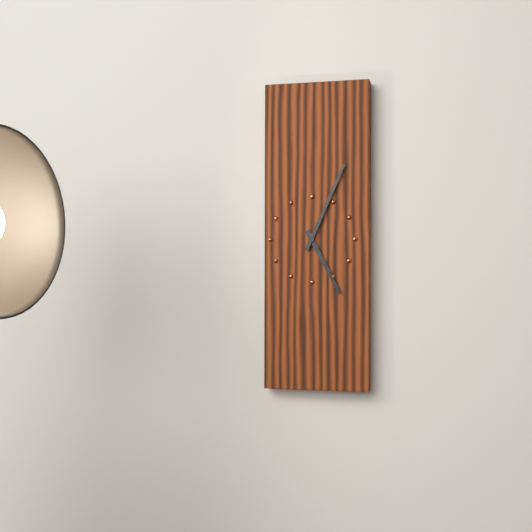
**5:04**
